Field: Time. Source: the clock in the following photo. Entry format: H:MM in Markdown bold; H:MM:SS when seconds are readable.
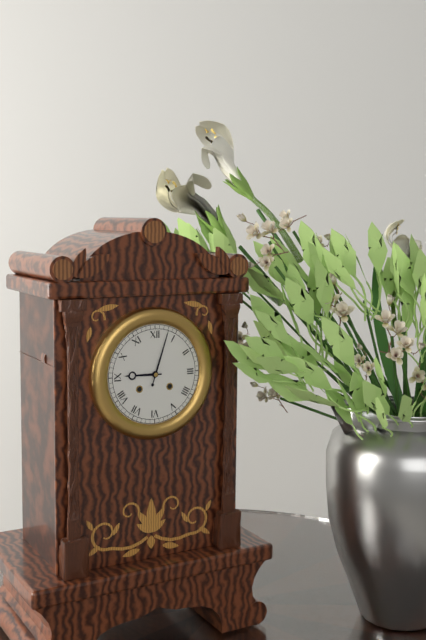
**9:03**
